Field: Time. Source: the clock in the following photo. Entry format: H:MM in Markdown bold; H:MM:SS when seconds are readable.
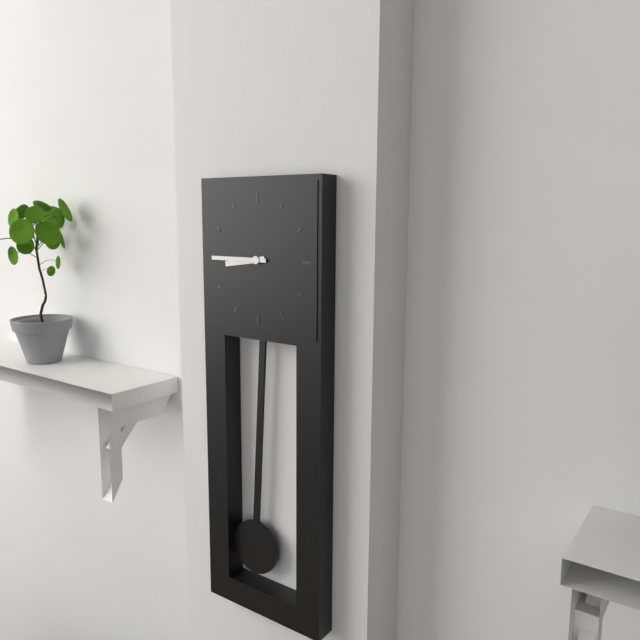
**8:45**
